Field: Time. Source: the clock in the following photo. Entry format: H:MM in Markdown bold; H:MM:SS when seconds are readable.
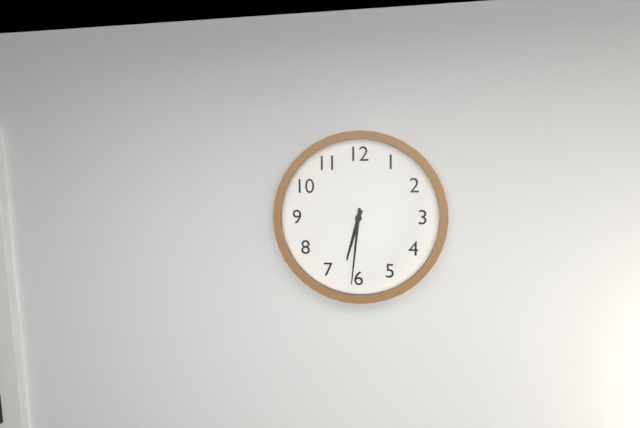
**6:31**
